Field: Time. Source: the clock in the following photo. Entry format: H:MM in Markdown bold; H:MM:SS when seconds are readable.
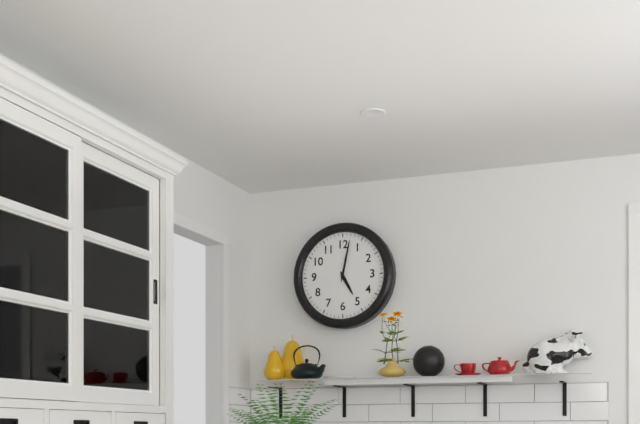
**5:02**
